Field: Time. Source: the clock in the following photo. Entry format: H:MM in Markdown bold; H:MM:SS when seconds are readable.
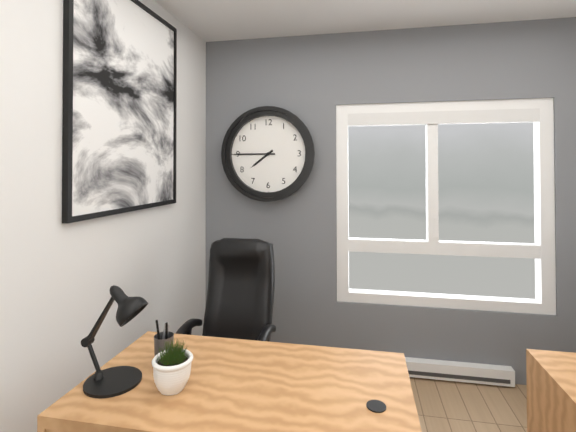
**7:45**
